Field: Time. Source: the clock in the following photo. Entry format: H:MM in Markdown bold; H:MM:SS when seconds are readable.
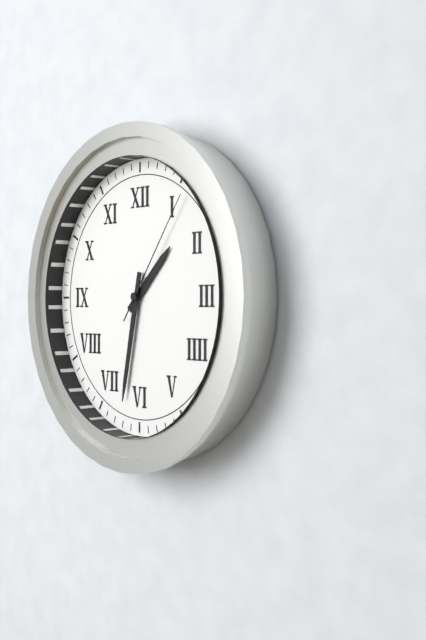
**1:32:06**
